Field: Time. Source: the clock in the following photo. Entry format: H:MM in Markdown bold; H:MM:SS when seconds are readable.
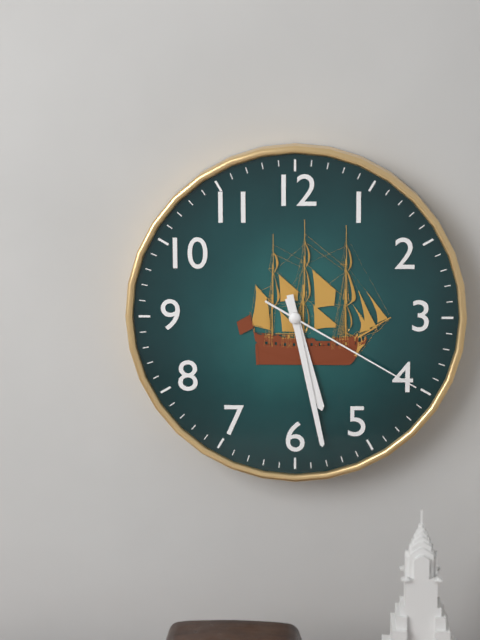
**5:28:20**
